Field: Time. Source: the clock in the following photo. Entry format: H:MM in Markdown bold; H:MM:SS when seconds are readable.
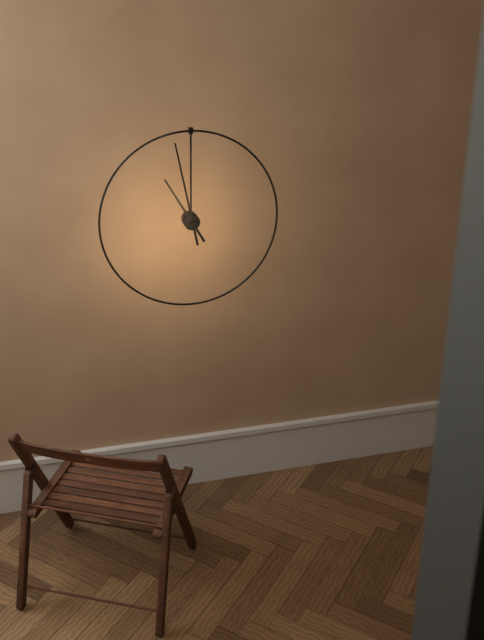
**10:58**
